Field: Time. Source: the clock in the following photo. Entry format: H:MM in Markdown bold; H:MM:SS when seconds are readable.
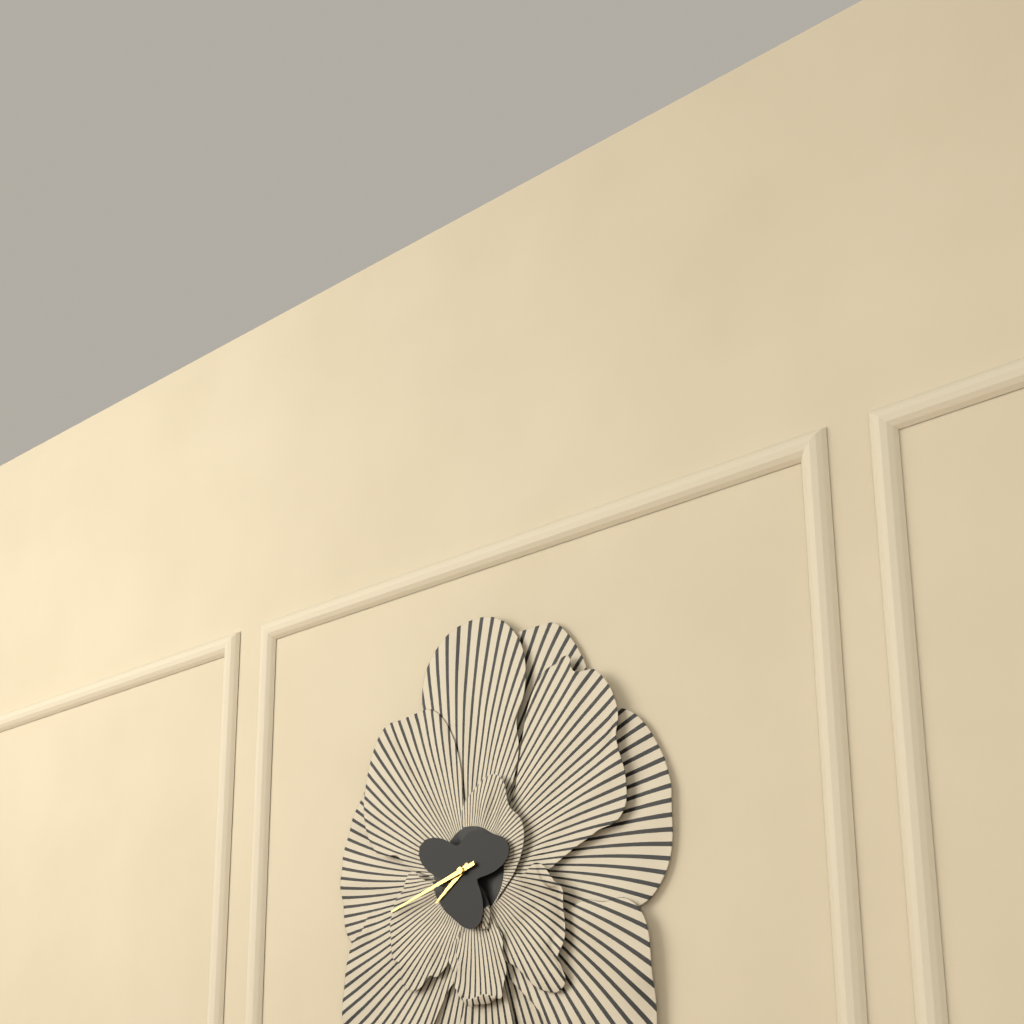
**7:42**
